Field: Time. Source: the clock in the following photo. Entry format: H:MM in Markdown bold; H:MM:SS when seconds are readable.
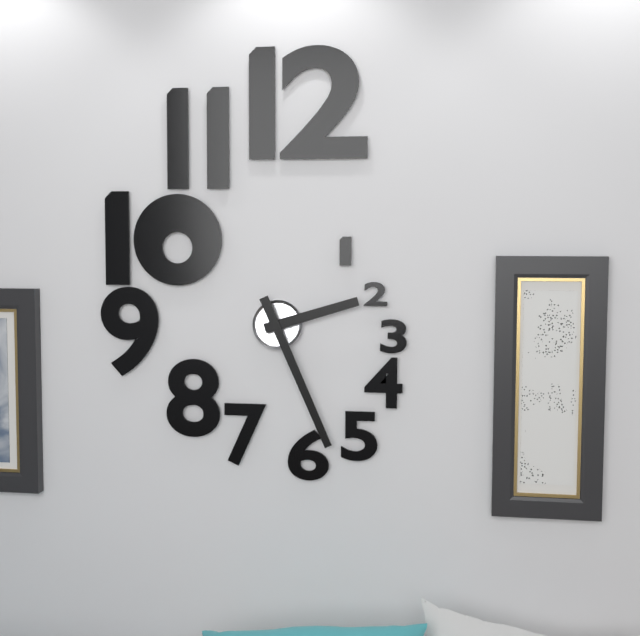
**2:26**
